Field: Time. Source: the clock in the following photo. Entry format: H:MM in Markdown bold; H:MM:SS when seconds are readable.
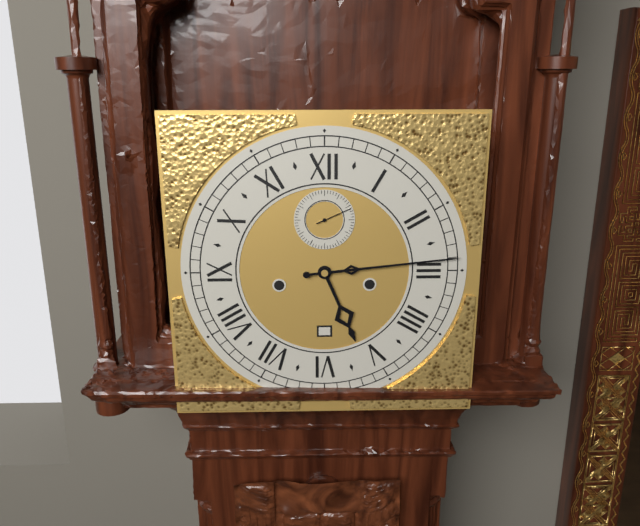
**5:14**
